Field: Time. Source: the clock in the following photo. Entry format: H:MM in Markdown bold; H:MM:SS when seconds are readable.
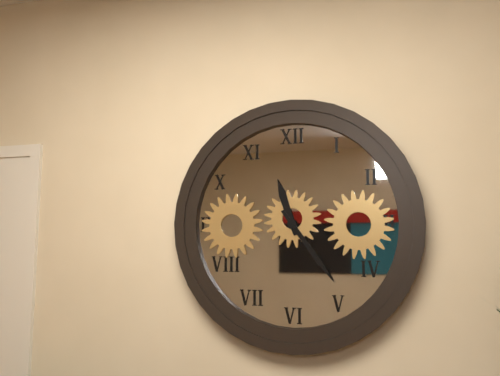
**11:24**
